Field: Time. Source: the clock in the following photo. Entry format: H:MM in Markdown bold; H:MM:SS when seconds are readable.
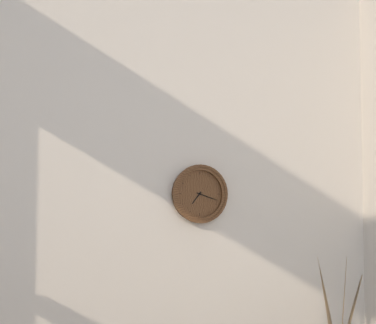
**7:18**
